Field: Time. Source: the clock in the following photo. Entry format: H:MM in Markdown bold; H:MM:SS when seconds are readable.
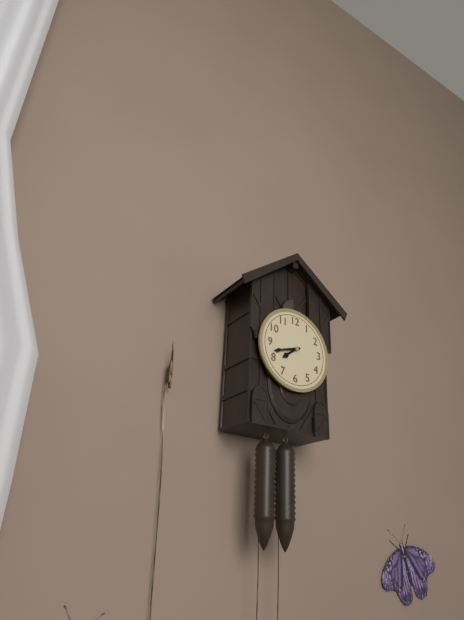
**7:42**
